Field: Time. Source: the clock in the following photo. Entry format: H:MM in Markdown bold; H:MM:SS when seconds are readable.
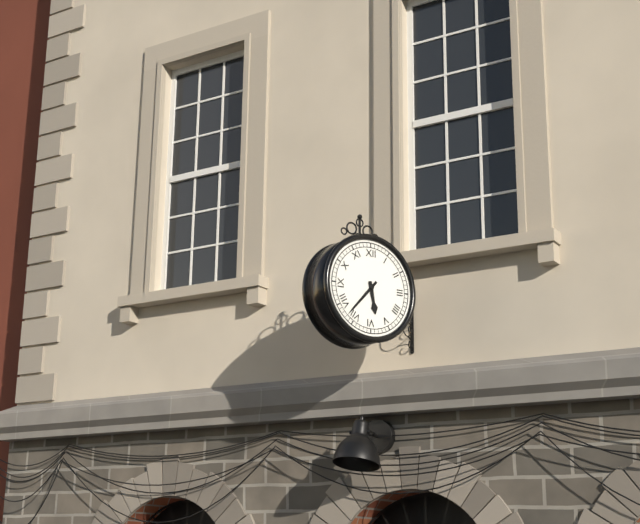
**5:37**
